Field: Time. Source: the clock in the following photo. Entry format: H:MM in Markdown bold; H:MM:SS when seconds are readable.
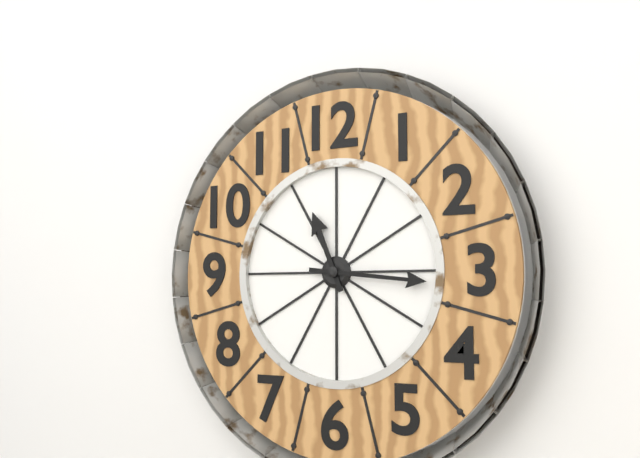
**11:16**
